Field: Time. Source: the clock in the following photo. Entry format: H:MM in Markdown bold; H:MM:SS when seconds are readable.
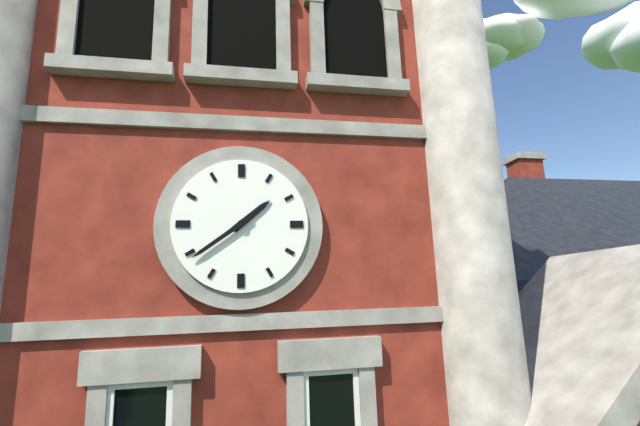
**1:39**
